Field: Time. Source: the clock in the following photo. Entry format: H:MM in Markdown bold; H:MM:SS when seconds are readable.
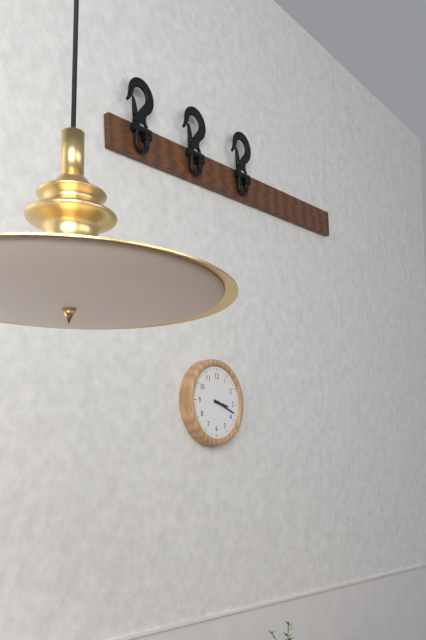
**3:18**
